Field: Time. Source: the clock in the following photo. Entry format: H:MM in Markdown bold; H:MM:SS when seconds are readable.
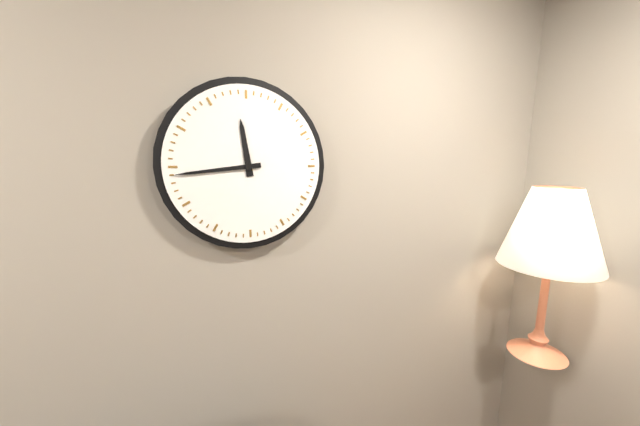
**11:44**
